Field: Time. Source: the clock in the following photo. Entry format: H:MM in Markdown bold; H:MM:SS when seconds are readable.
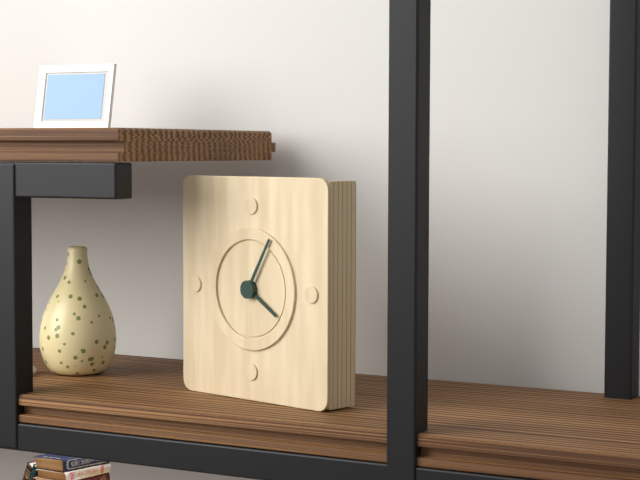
**4:05**
